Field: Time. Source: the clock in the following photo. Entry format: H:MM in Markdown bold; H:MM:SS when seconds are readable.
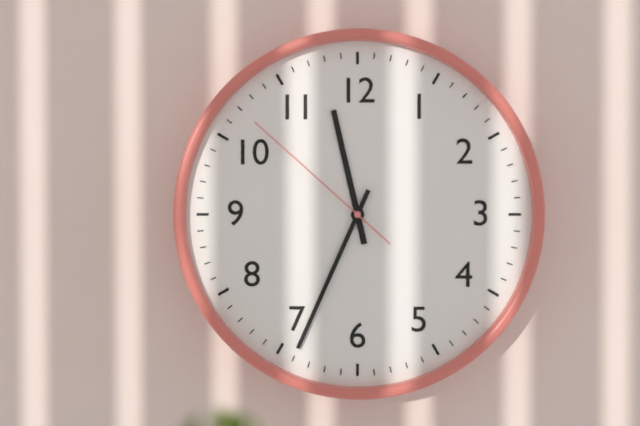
**11:34:52**
